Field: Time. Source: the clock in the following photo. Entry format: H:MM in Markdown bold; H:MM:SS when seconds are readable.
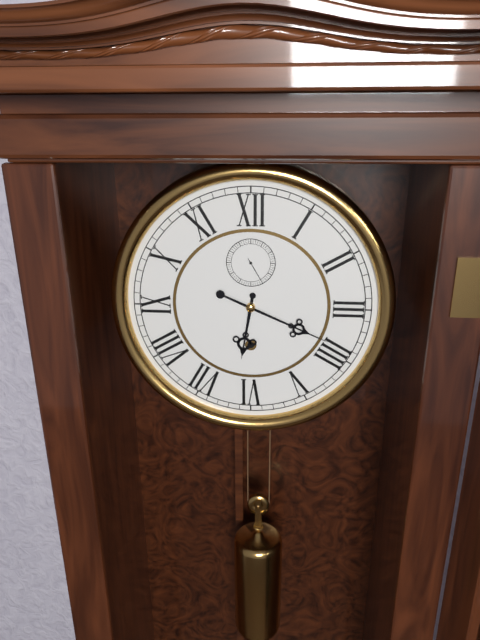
**6:19**
